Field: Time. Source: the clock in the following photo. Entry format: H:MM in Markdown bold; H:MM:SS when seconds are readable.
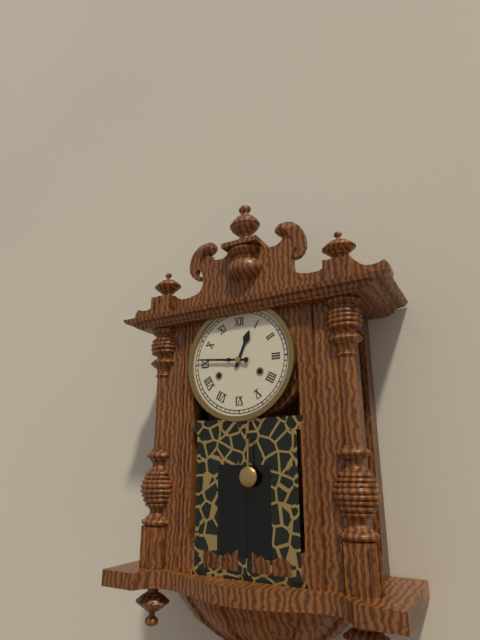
**12:46**
